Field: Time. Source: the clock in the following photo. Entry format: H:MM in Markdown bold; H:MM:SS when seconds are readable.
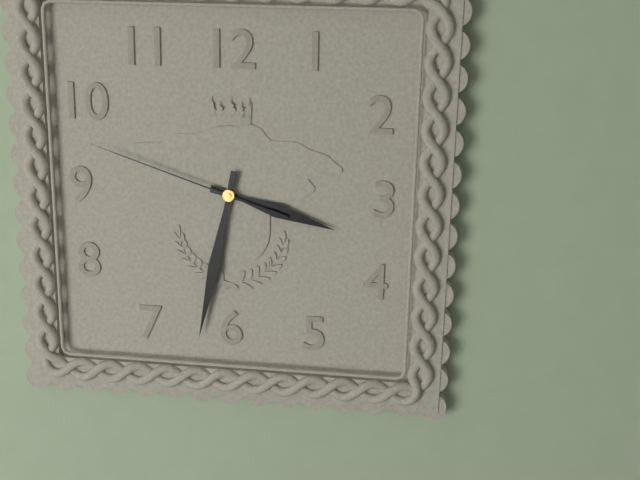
**3:32:48**
